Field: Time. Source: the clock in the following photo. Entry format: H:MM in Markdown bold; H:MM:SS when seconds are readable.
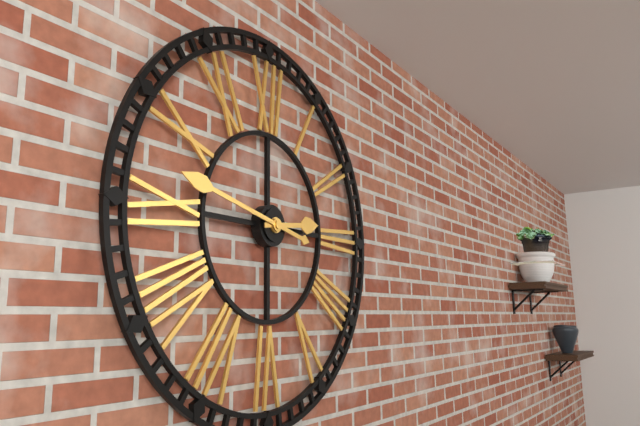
**2:47**
